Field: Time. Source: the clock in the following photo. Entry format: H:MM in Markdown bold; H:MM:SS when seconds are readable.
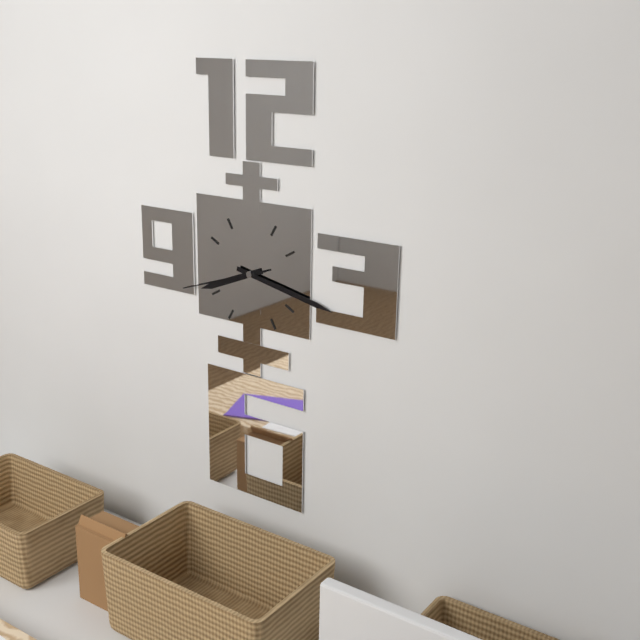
**8:17:42**
